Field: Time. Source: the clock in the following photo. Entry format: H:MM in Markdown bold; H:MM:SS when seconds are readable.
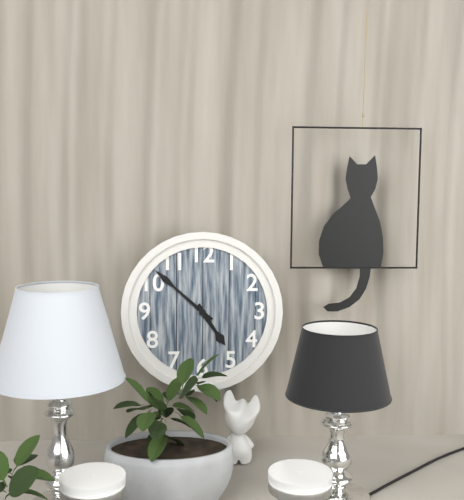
**4:52**
